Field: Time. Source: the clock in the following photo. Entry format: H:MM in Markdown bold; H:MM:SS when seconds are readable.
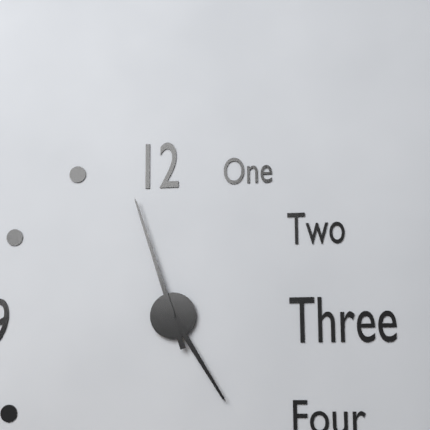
**4:57**
